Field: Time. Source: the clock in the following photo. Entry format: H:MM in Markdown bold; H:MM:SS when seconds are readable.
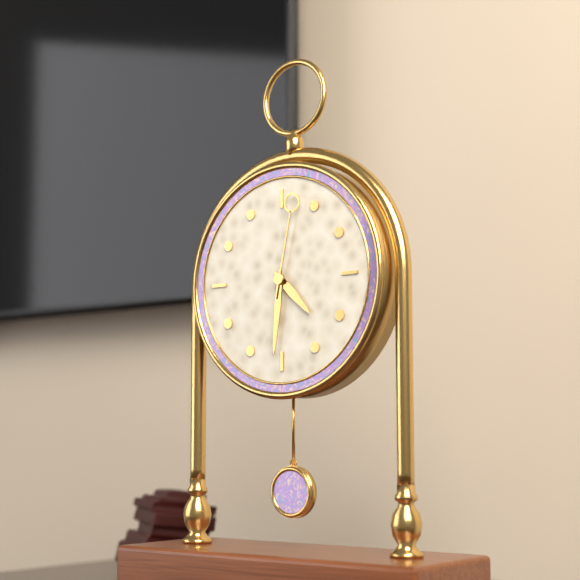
**4:31:02**
